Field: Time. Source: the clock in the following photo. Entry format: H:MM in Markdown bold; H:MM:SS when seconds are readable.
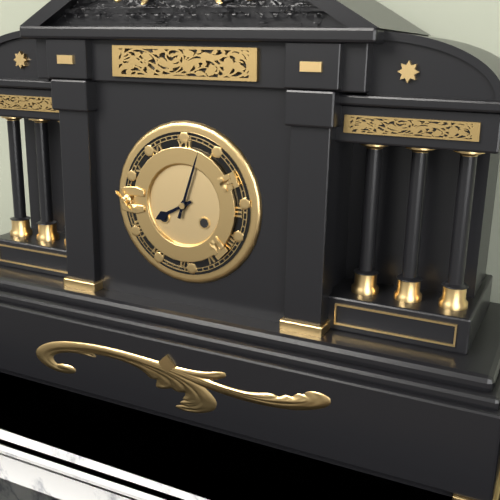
**8:03**
